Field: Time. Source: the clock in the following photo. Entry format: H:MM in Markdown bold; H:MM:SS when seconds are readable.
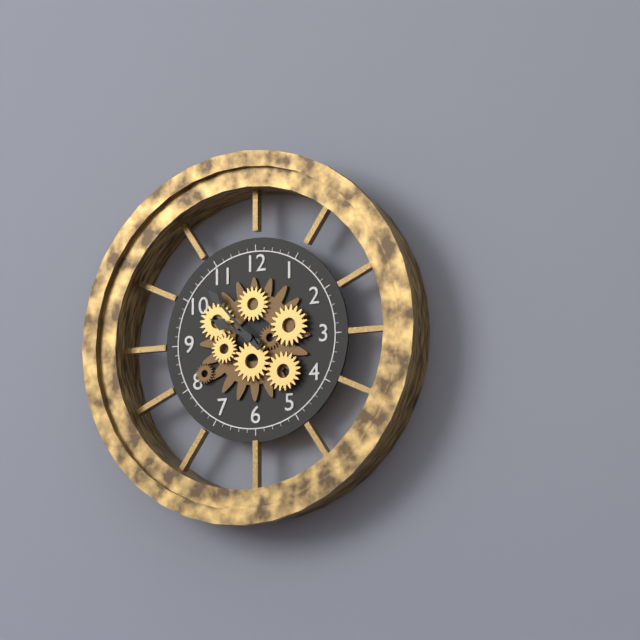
**9:53**
